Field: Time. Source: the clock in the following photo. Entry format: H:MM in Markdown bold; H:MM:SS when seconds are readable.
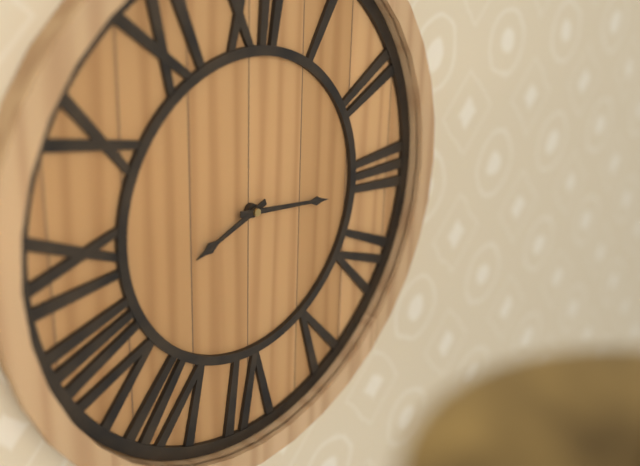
**8:16**
